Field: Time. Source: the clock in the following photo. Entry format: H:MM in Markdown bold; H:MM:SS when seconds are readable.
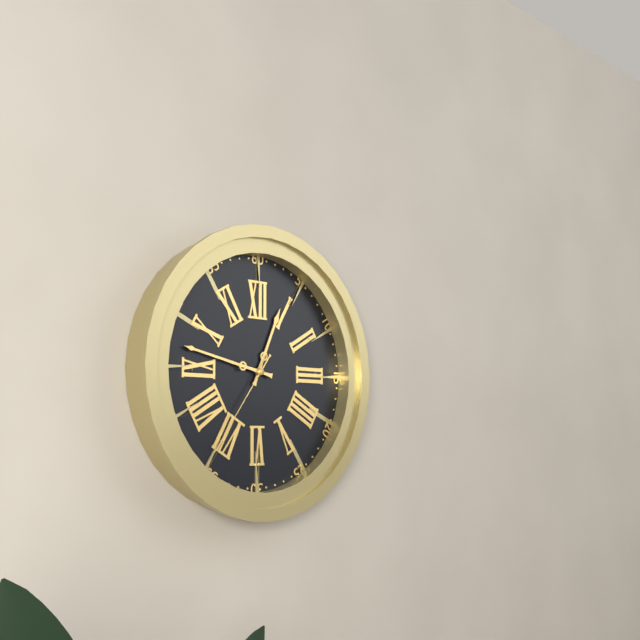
**12:47:36**
